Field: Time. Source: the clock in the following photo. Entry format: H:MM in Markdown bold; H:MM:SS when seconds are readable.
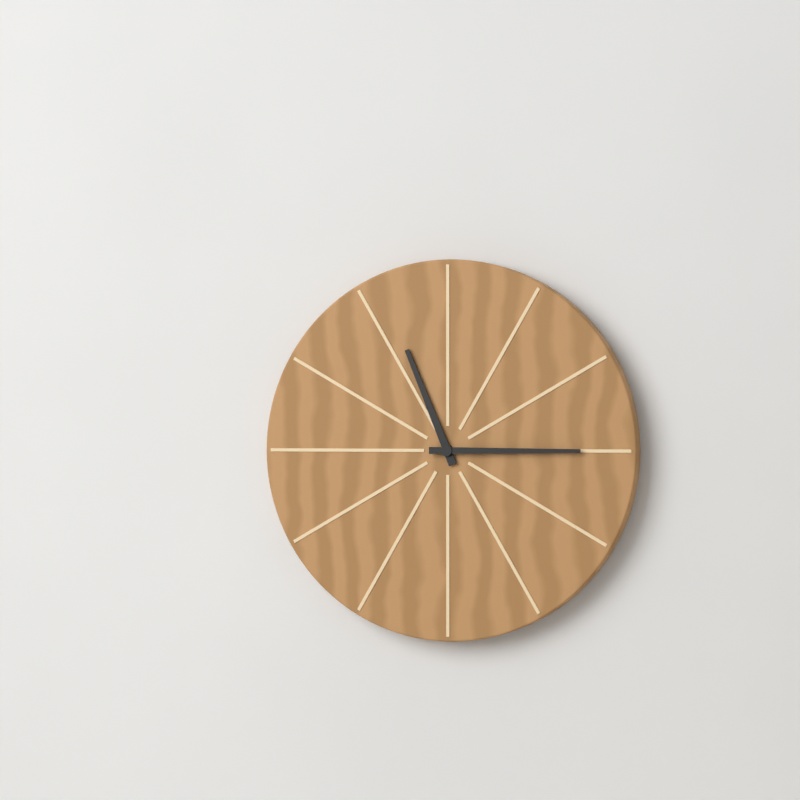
**11:15**
